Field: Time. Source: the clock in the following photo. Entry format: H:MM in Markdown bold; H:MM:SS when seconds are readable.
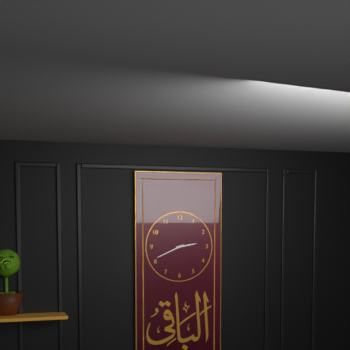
**2:41**
